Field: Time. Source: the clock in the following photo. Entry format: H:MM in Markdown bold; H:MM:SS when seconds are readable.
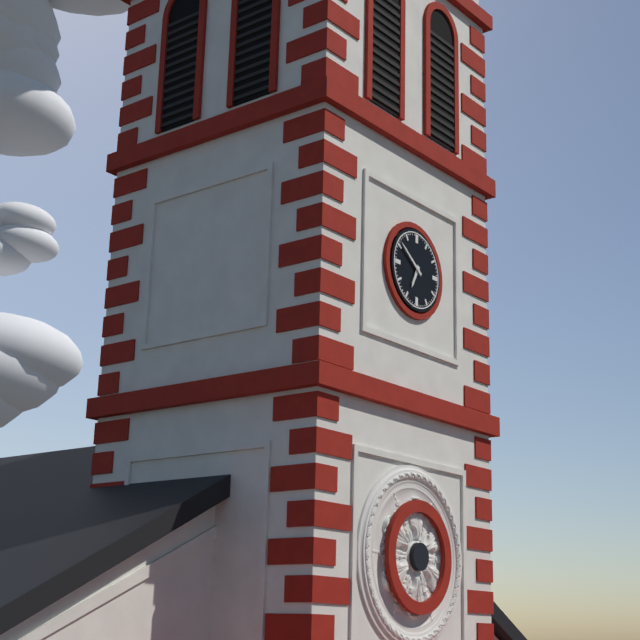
**6:51**
